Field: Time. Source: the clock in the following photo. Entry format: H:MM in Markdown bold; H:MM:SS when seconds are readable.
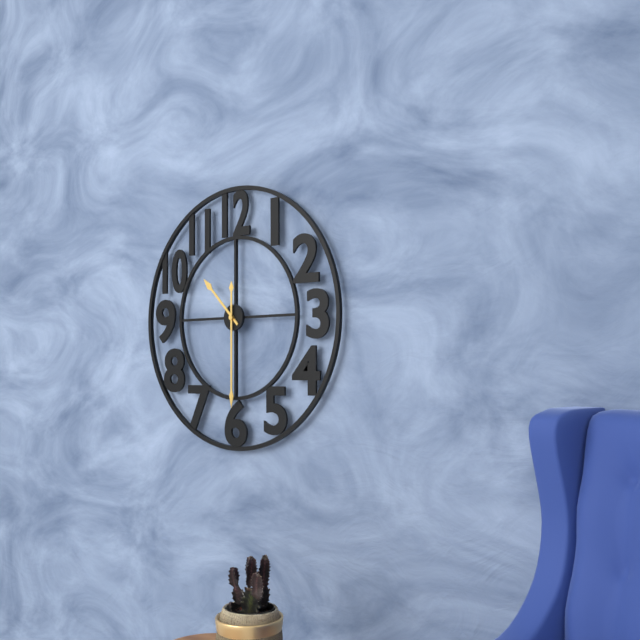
**10:30**
